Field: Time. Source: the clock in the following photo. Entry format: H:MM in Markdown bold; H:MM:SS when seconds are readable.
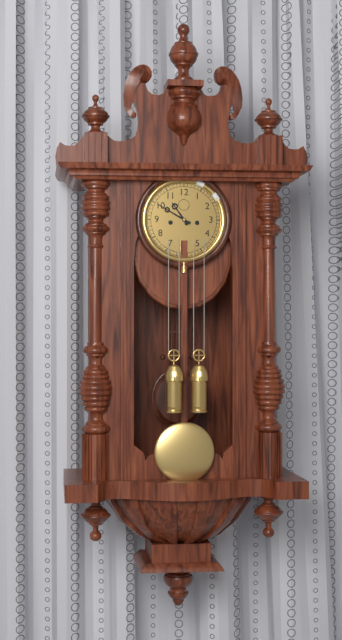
**10:50**
